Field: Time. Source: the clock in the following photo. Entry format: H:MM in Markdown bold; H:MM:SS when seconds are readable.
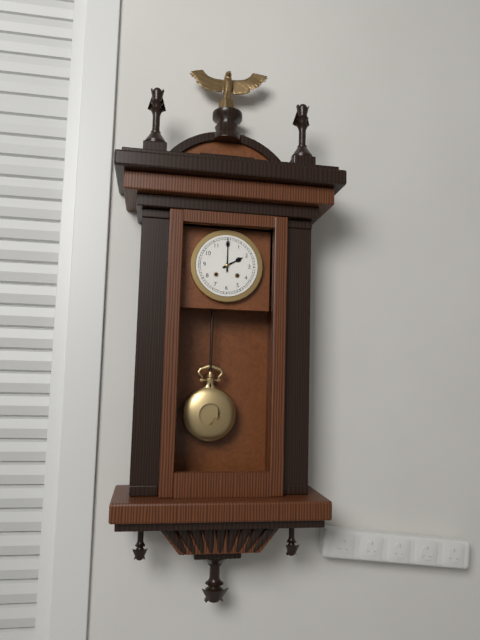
**2:00**
